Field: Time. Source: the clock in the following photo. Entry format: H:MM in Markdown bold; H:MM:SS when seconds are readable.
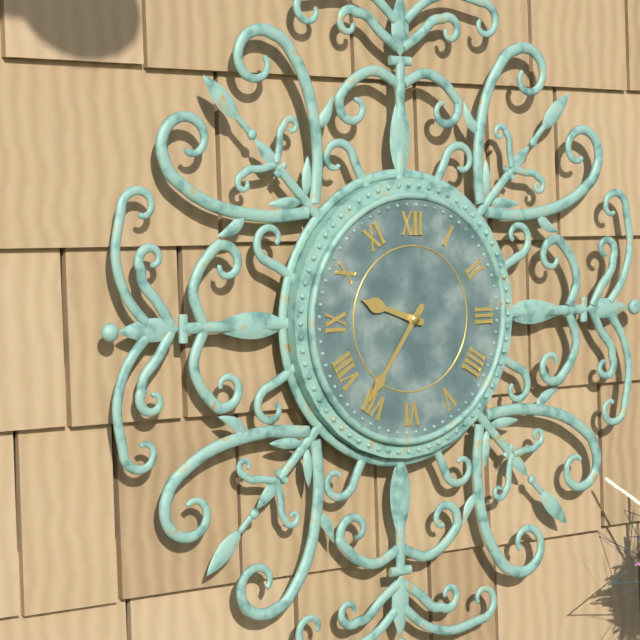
**9:36**
